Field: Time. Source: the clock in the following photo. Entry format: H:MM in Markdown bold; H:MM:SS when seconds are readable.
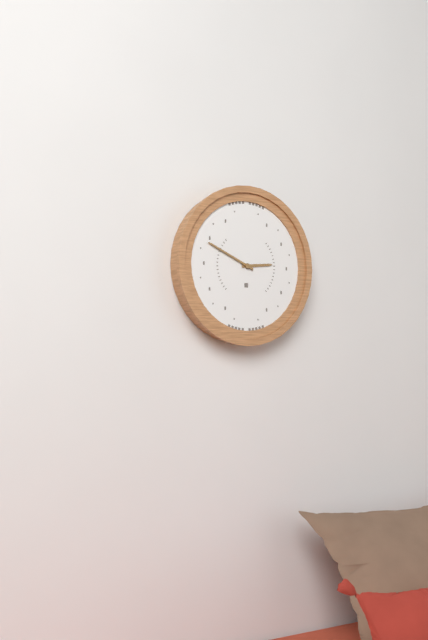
**2:49**
